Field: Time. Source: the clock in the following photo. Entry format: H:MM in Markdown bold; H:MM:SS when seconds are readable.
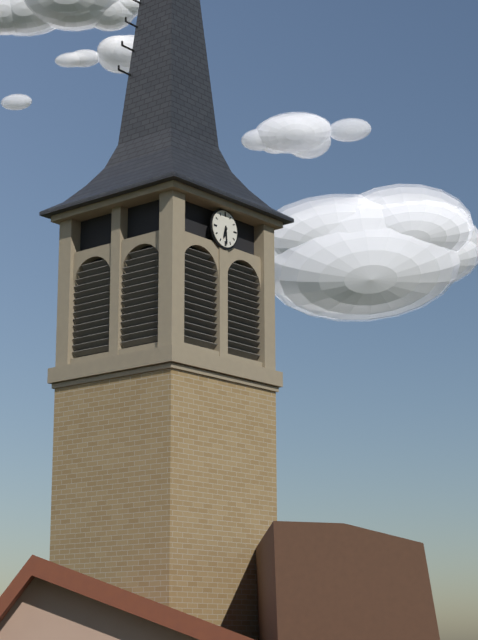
**6:29**
